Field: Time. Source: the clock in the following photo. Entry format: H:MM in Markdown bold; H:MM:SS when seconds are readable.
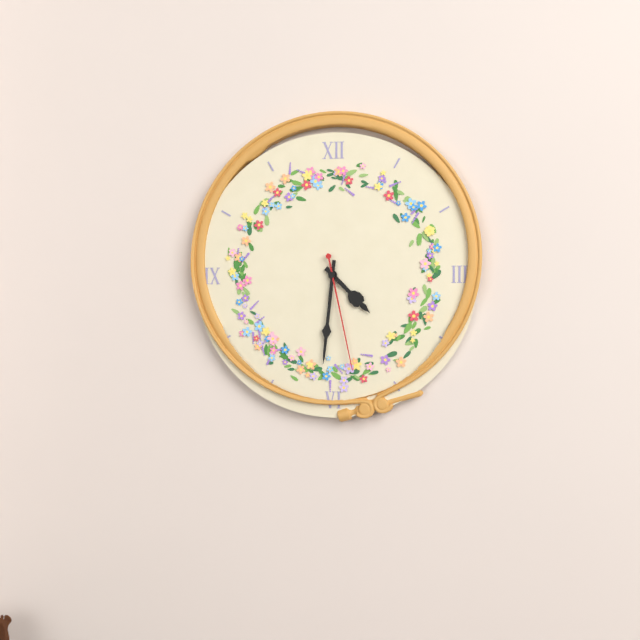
**4:31:28**
